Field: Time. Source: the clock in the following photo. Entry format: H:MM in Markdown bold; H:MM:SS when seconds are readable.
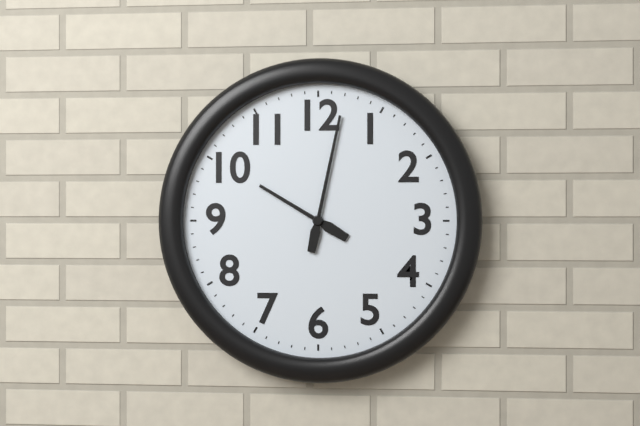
**10:02**
